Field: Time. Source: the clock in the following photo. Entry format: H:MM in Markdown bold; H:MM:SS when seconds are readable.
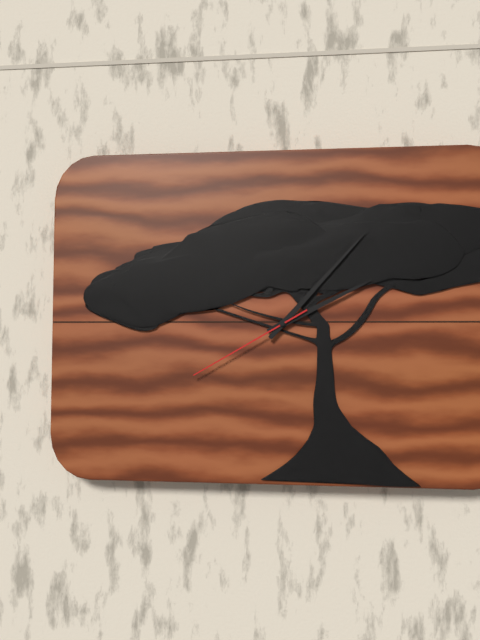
**2:07:40**
